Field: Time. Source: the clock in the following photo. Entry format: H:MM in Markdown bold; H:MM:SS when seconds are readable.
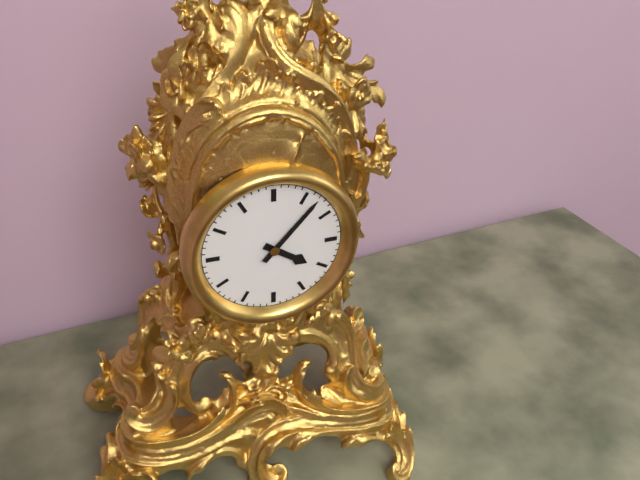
**4:07**
